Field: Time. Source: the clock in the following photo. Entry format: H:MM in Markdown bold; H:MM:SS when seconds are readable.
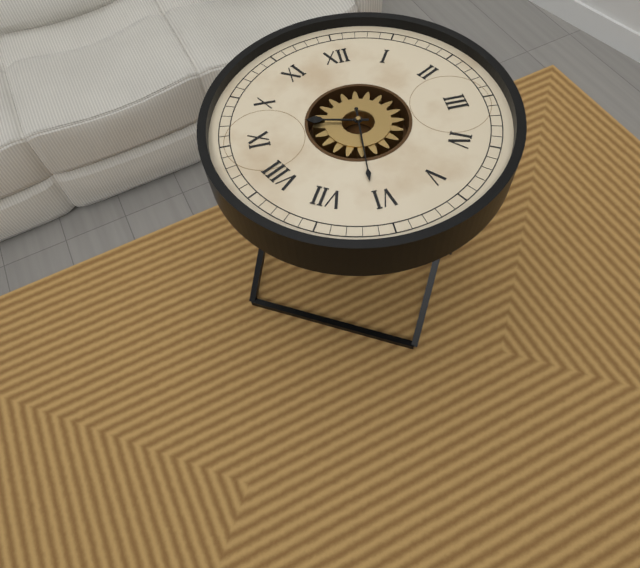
**9:31**
